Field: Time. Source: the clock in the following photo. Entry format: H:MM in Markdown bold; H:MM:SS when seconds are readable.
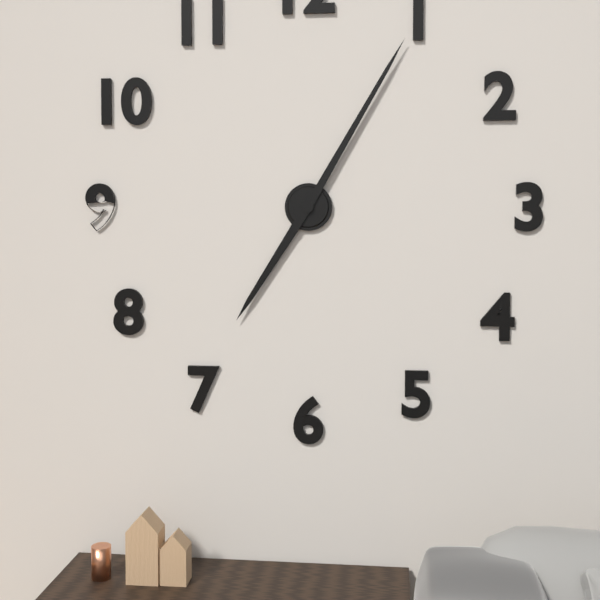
**7:05**
